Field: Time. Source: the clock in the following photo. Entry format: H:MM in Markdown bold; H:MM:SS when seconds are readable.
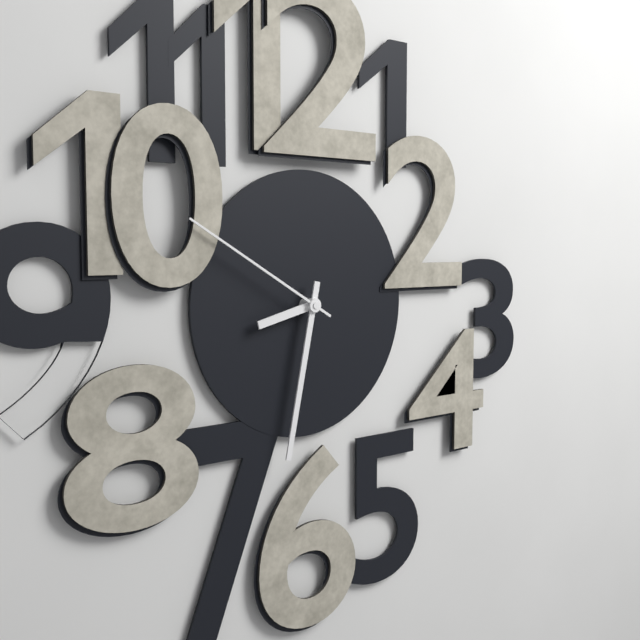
**8:32:50**
